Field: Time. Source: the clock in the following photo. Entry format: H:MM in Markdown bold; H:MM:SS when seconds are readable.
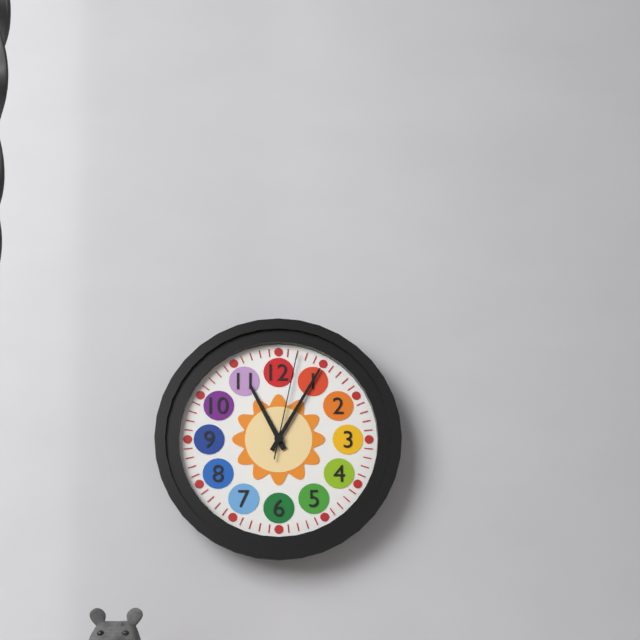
**11:05:02**
